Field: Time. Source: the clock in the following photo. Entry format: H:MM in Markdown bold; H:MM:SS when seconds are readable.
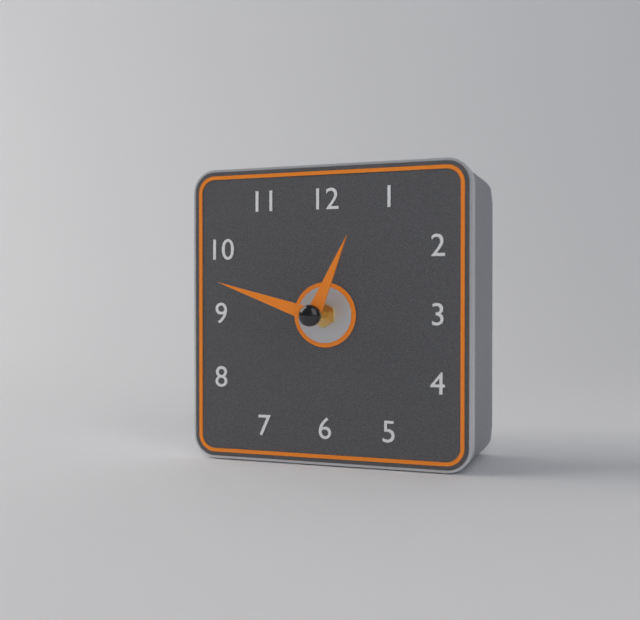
**12:48**
